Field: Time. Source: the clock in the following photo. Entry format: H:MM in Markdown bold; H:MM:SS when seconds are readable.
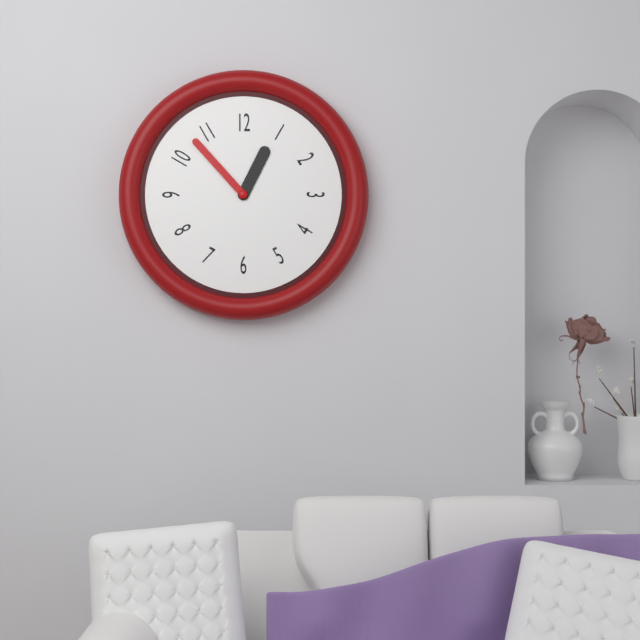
**12:53**
